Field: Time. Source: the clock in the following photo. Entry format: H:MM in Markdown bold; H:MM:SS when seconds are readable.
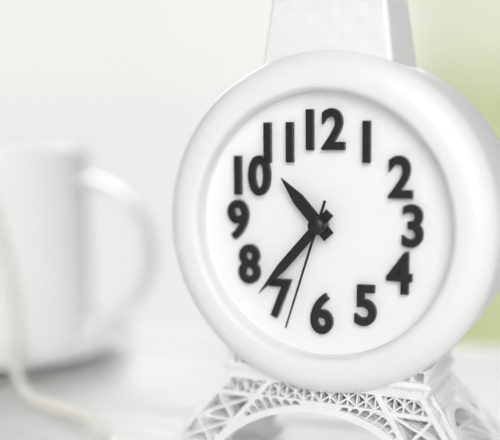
**10:37:33**
